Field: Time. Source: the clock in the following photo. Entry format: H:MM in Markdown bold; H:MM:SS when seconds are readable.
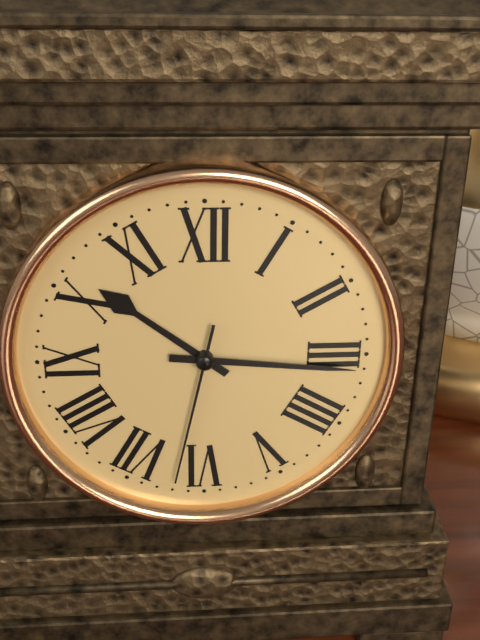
**10:16:32**
